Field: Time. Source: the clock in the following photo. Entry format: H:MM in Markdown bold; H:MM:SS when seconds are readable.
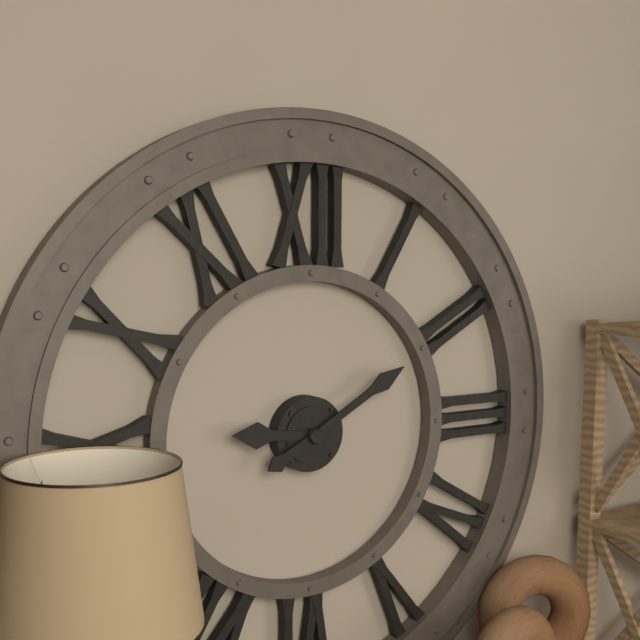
**9:10**
